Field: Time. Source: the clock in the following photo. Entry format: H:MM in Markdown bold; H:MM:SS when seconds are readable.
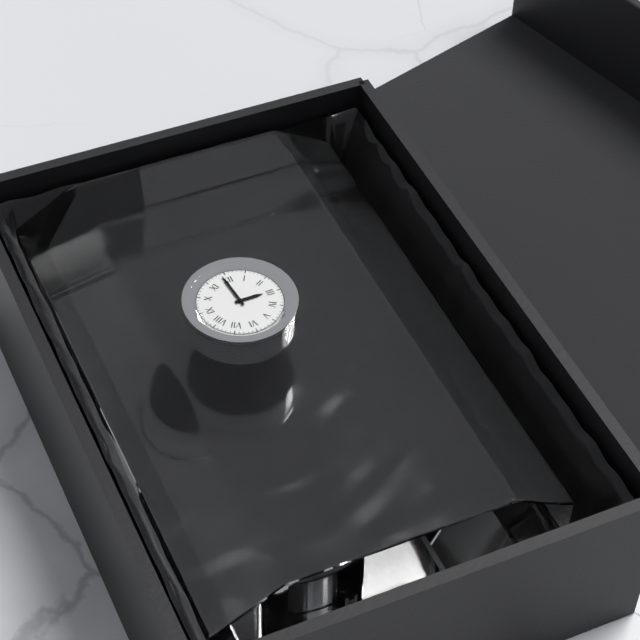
**2:59**
